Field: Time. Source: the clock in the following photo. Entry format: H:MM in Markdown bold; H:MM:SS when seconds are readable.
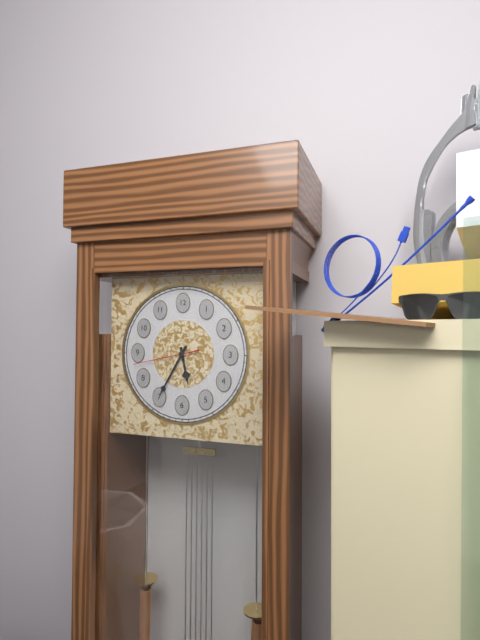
**5:35:43**
